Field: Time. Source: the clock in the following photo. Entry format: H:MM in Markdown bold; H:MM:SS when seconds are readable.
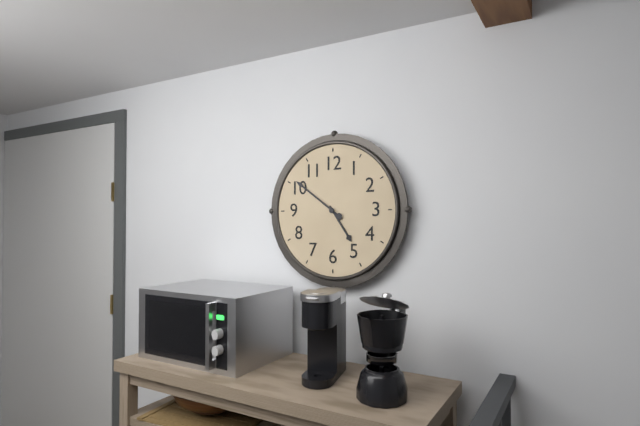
**4:51**
